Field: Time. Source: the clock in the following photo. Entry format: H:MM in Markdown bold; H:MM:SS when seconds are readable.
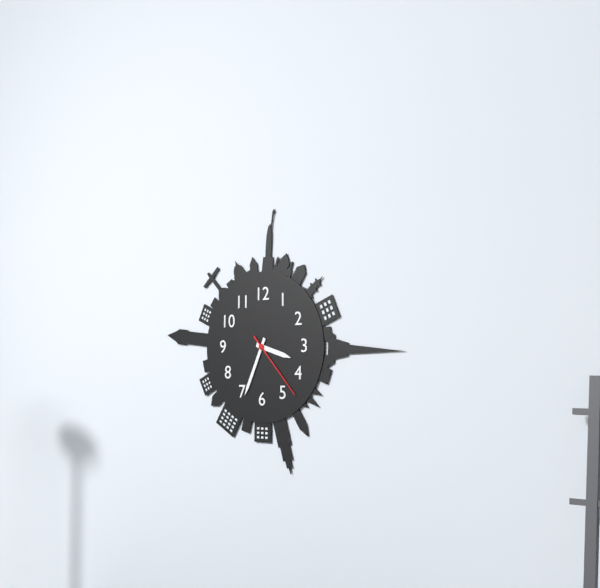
**3:34:23**
